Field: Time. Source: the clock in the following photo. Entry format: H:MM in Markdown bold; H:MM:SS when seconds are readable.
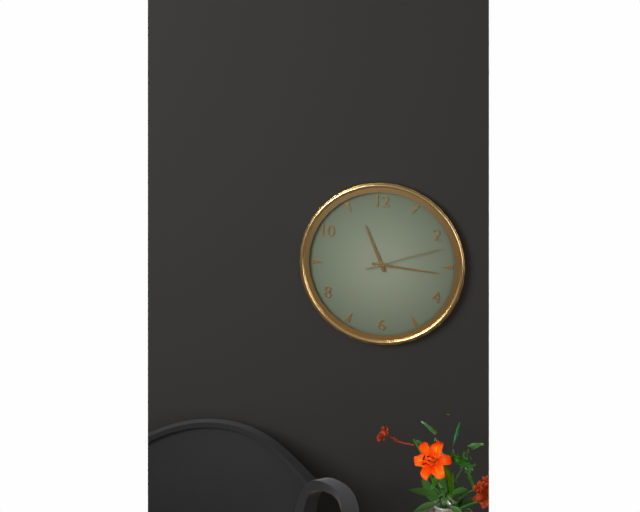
**11:16:12**
